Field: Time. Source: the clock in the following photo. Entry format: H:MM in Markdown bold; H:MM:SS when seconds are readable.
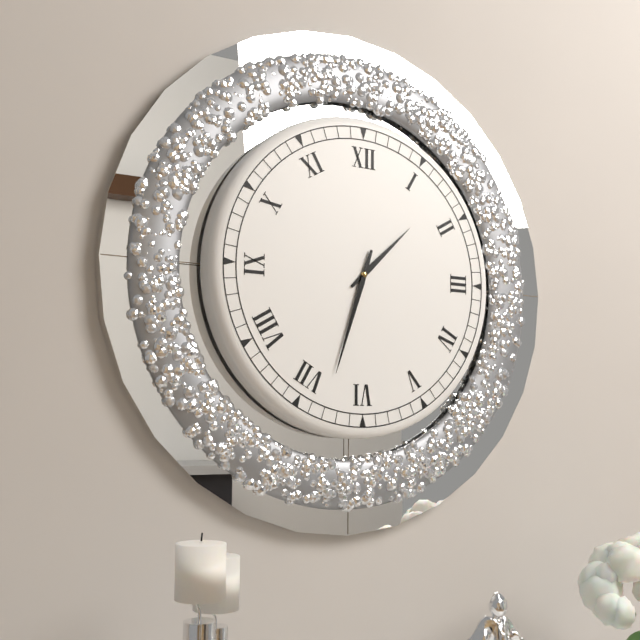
**1:33**
